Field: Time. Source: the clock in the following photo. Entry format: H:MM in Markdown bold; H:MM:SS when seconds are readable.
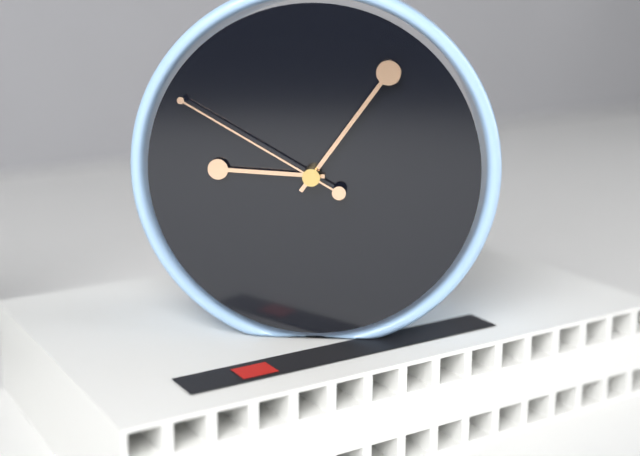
**9:06:50**
